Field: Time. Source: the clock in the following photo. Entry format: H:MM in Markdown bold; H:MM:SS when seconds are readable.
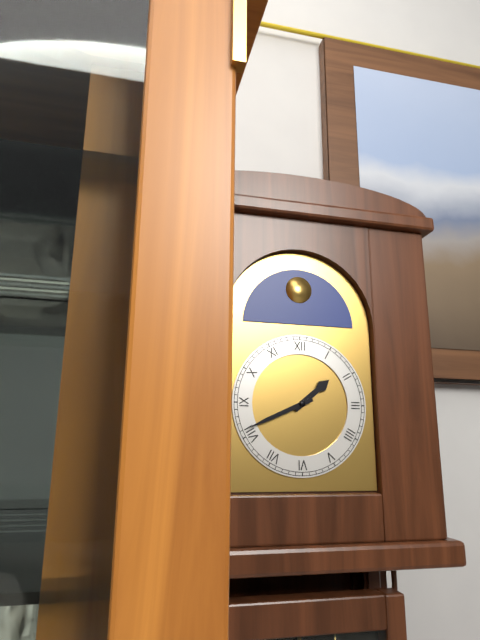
**1:41**
